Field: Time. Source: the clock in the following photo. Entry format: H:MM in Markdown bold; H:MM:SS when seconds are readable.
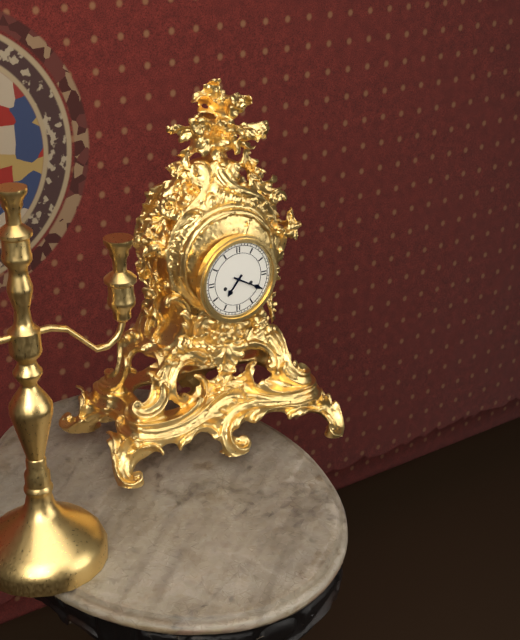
**7:20**
